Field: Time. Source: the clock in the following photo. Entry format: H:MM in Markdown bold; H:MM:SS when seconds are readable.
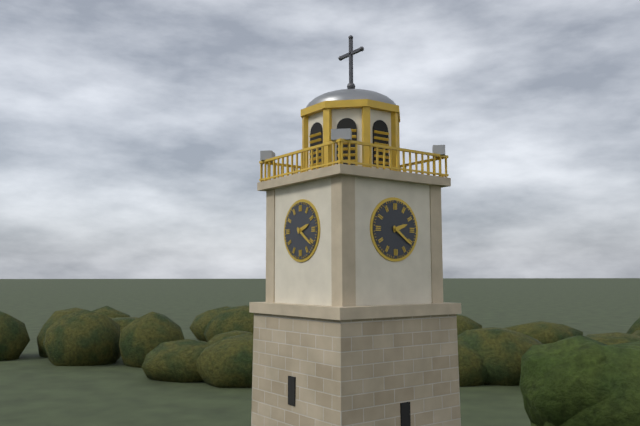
**2:21**
